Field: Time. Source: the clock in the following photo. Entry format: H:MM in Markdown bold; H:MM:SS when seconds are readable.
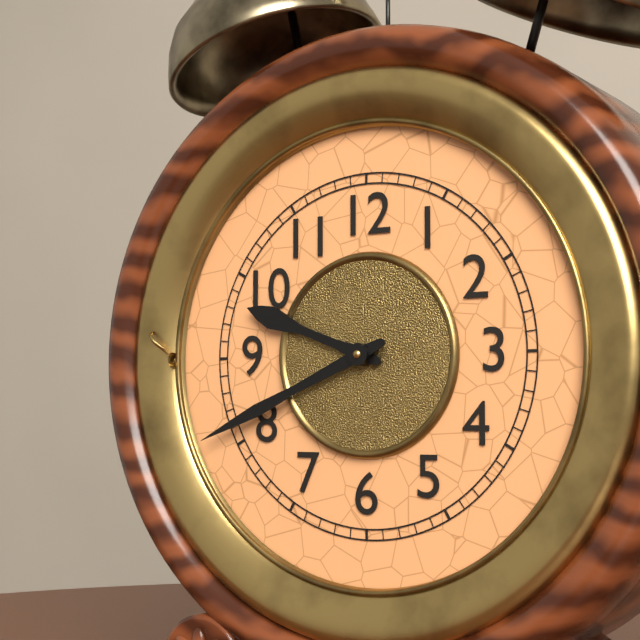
**9:41**
